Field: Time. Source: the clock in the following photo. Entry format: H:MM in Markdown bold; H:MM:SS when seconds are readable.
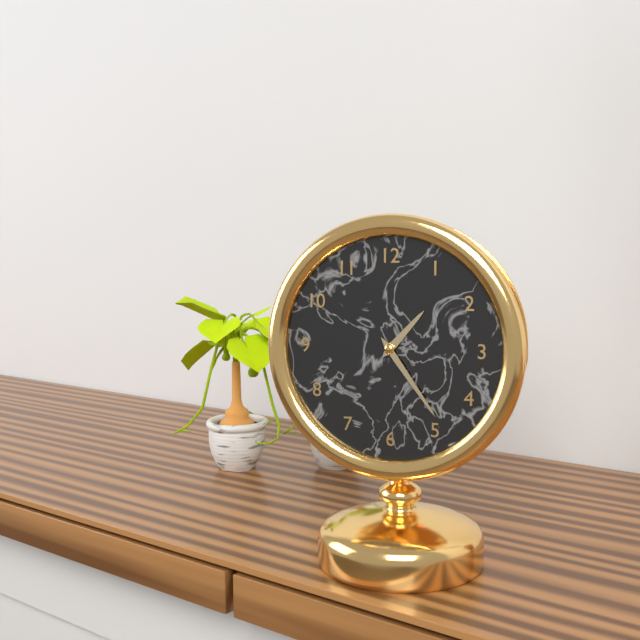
**1:24**
